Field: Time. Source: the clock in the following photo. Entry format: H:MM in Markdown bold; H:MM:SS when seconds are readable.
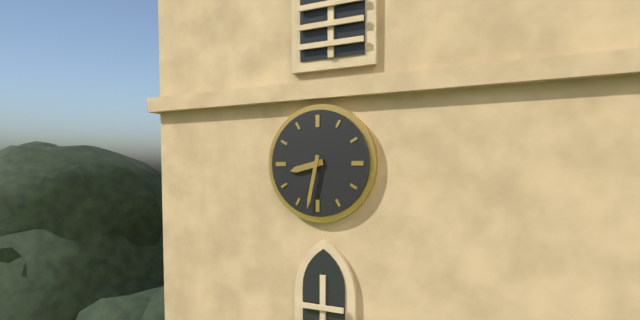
**8:32**
